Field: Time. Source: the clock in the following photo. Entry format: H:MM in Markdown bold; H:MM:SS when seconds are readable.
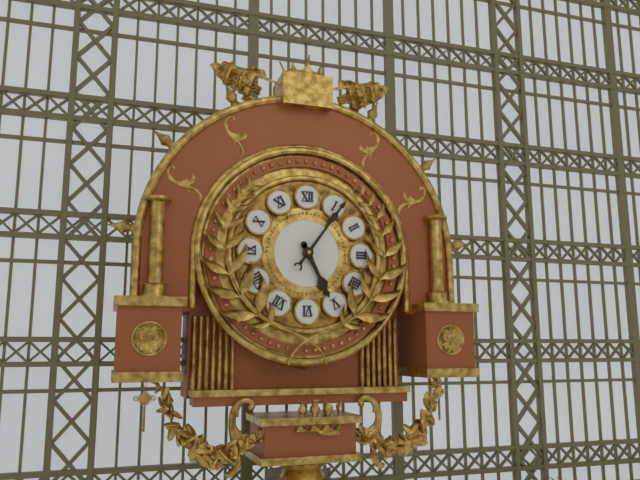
**5:06**
